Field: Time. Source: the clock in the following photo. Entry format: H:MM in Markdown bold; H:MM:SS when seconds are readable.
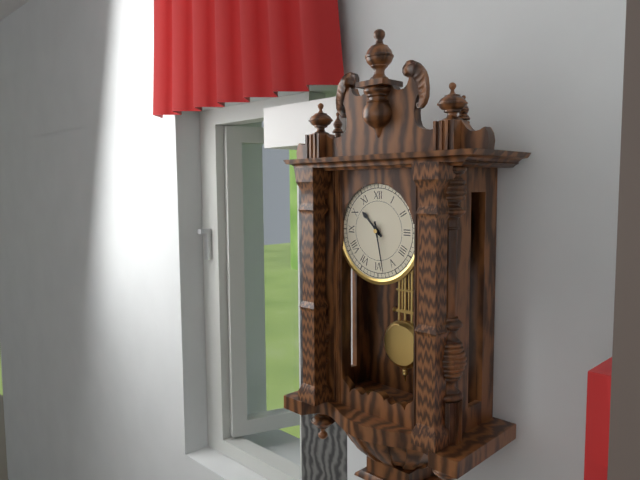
**10:28**
